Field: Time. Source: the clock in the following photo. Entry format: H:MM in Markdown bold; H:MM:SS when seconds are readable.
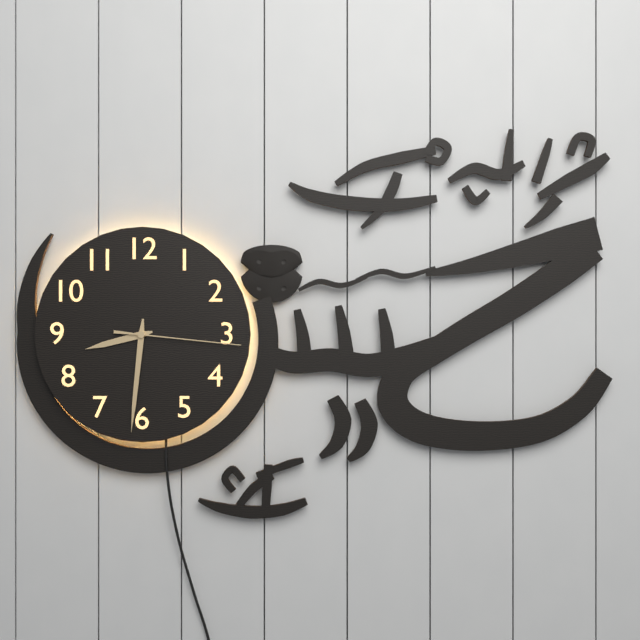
**8:31:16**
